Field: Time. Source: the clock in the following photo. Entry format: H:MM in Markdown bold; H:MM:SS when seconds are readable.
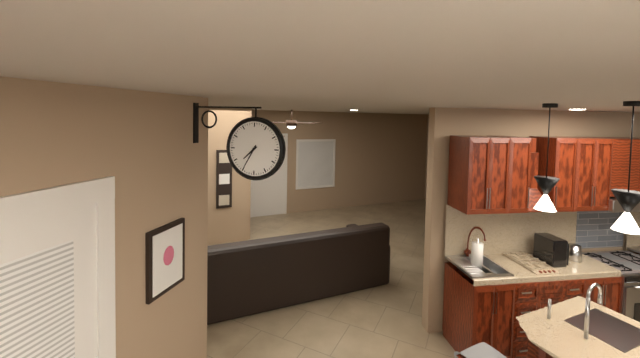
**7:35**
